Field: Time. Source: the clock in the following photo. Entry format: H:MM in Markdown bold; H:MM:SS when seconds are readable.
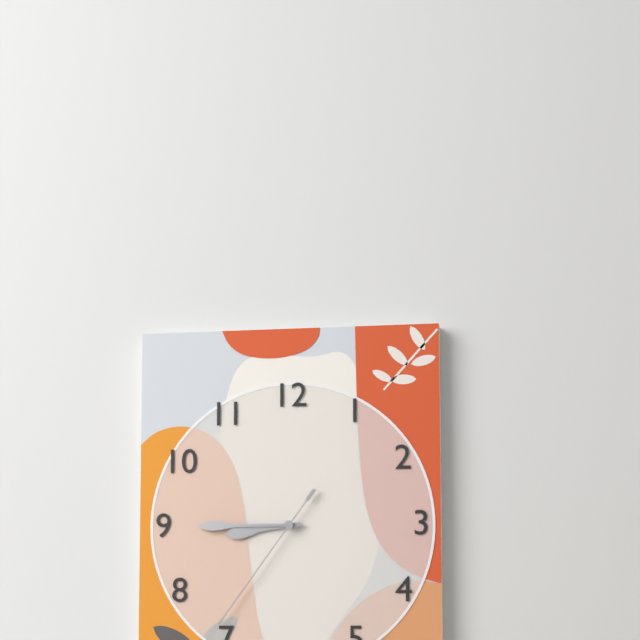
**8:45:36**
